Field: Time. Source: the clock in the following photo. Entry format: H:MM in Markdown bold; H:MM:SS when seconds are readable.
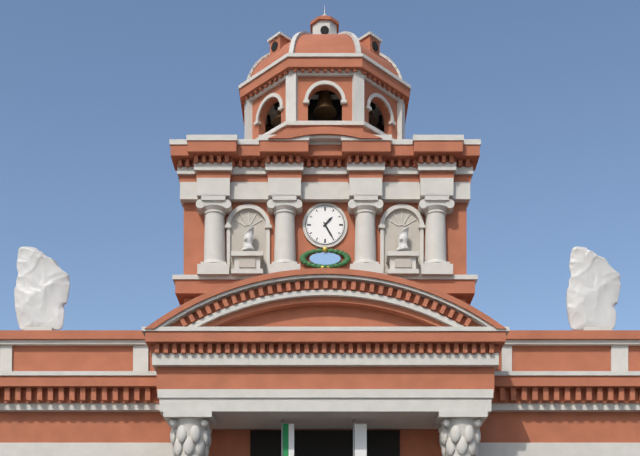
**1:25**
